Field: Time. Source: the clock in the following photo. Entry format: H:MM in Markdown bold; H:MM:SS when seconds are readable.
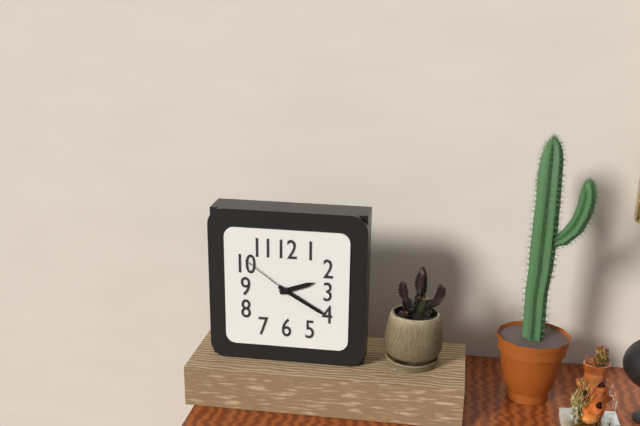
**2:20:51**
